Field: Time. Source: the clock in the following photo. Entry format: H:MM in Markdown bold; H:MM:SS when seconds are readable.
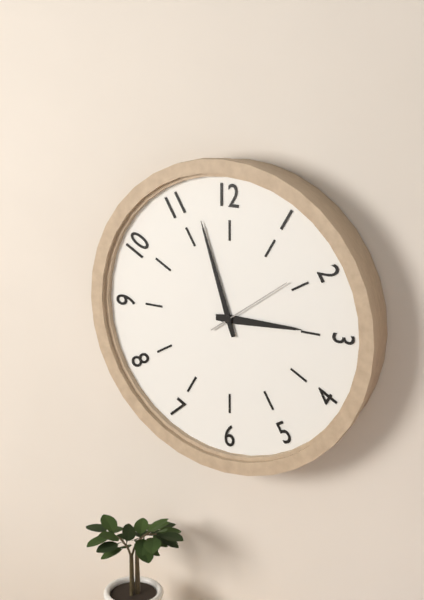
**2:57:09**
